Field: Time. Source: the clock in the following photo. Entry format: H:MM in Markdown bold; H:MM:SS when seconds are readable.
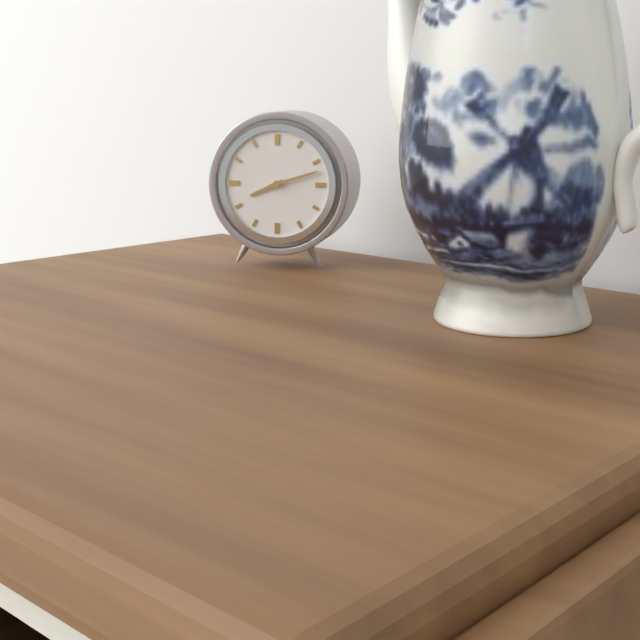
**8:12**
